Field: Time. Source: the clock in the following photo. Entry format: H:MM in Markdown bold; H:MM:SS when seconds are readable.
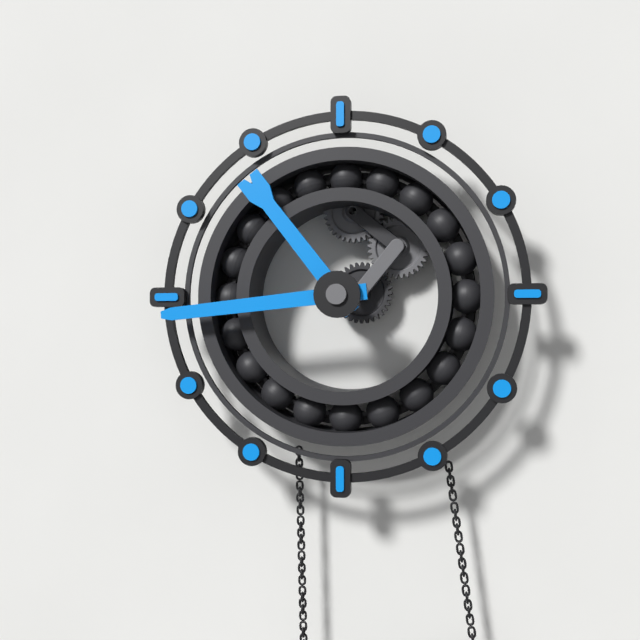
**10:44**
